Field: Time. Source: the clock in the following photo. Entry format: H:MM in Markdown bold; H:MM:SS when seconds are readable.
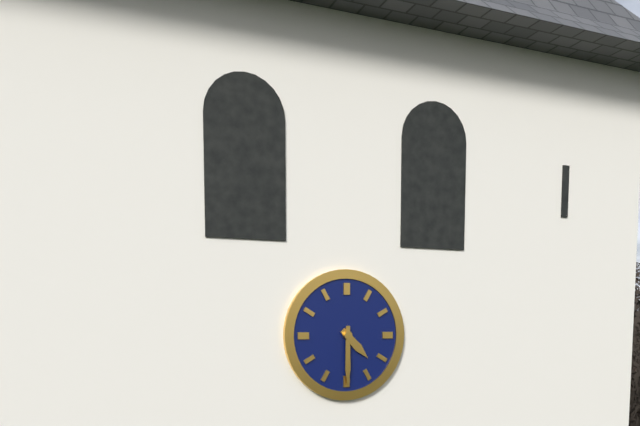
**4:30**
